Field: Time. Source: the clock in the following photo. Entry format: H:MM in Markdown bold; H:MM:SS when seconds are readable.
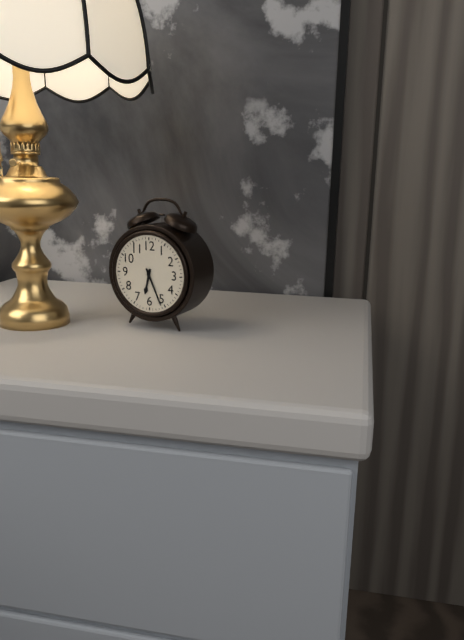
**6:26**
